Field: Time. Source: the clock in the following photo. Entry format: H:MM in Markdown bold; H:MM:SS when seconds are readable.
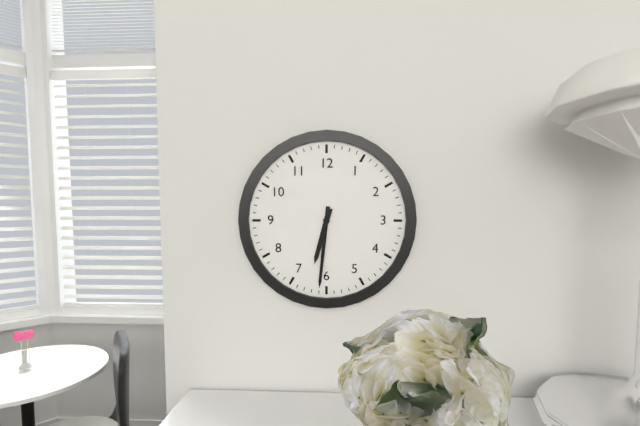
**6:31**
